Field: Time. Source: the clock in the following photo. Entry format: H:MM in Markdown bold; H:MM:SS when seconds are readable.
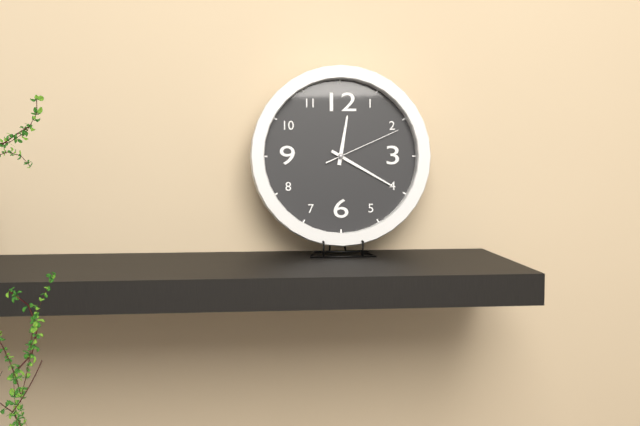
**12:20:11**
